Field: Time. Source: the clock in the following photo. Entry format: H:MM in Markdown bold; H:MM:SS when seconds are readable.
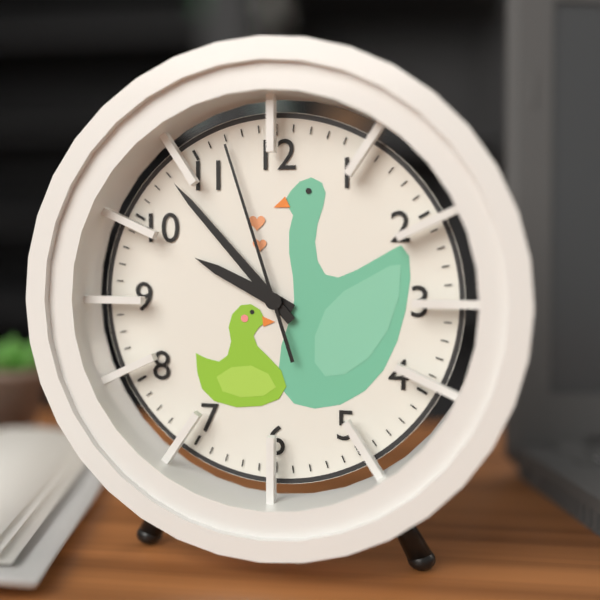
**9:53:57**
